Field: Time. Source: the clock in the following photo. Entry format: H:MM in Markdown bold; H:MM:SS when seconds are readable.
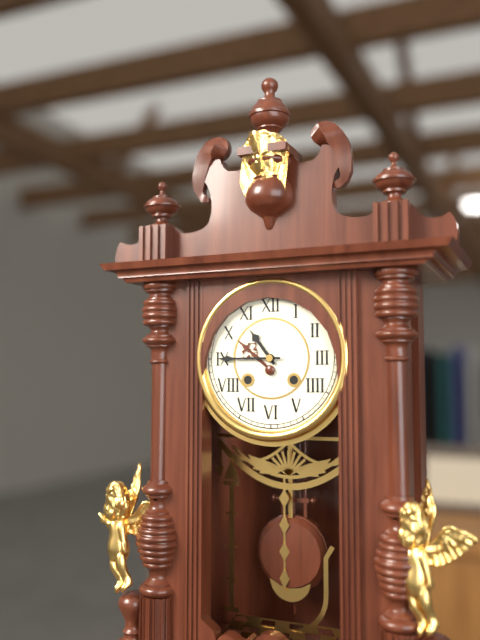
**10:45**
